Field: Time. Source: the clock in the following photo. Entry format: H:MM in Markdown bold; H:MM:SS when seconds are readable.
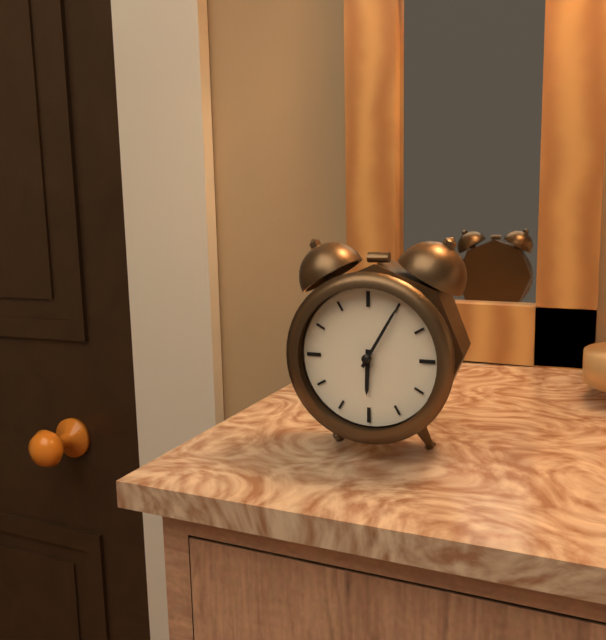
**6:05**
